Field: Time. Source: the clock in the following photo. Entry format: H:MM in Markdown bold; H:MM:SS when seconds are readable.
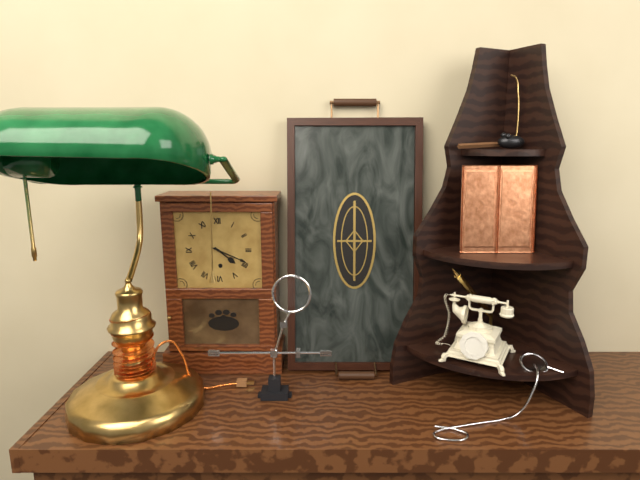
**4:19**
